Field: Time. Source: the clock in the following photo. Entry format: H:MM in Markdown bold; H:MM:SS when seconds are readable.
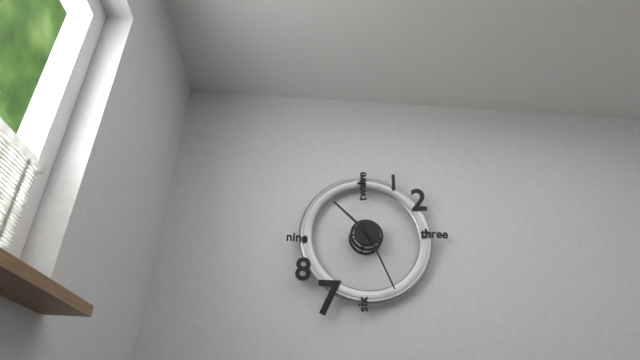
**10:26**
